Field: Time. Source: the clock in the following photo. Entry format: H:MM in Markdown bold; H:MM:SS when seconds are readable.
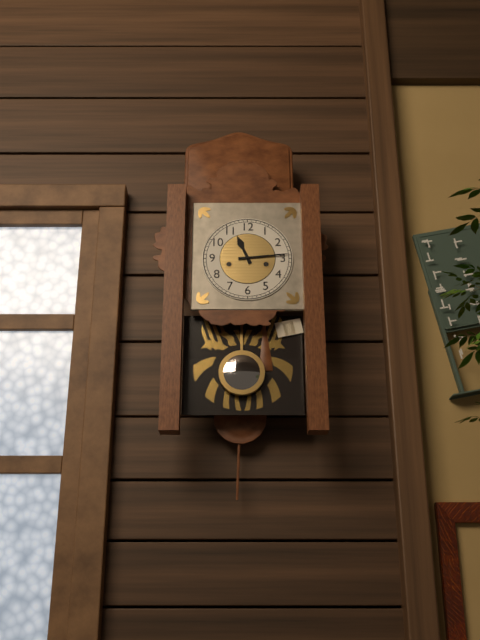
**11:14**
